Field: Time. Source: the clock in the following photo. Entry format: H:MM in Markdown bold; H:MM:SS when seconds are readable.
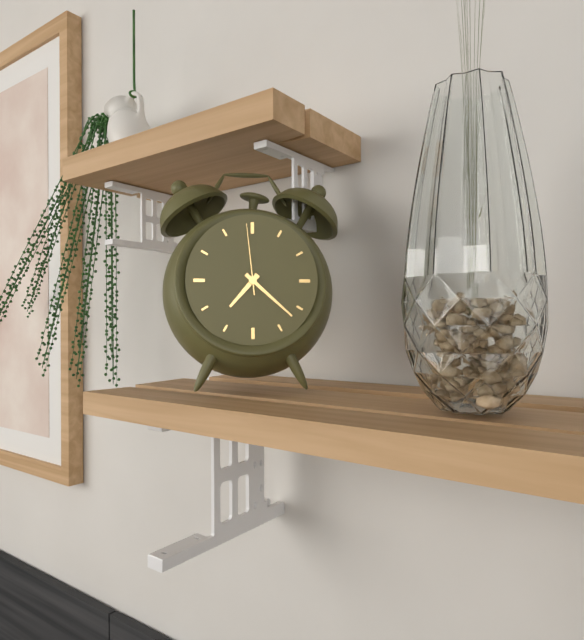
**7:22:59**
